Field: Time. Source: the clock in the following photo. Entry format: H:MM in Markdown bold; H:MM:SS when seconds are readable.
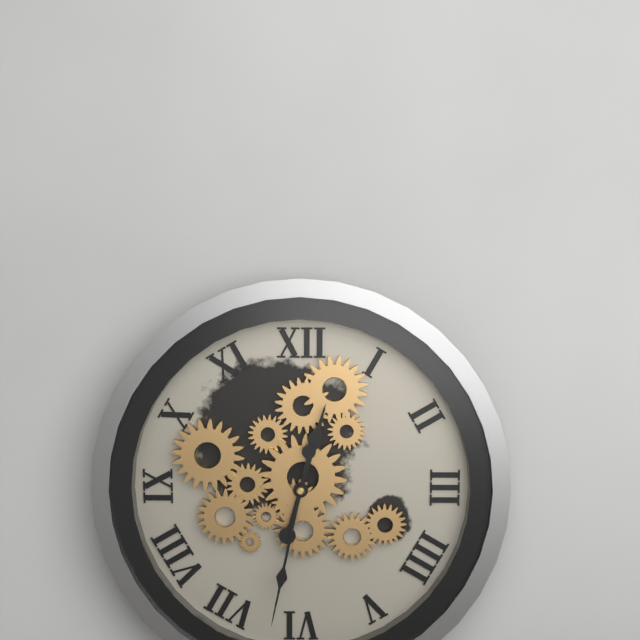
**12:32**
